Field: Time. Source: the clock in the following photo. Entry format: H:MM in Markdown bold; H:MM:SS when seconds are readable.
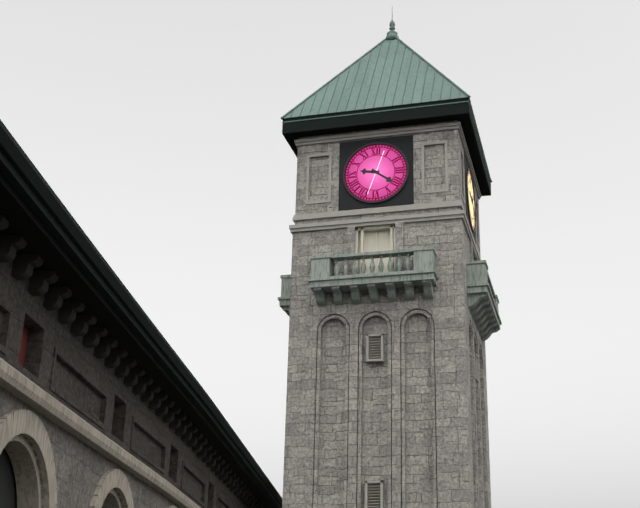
**9:21**
